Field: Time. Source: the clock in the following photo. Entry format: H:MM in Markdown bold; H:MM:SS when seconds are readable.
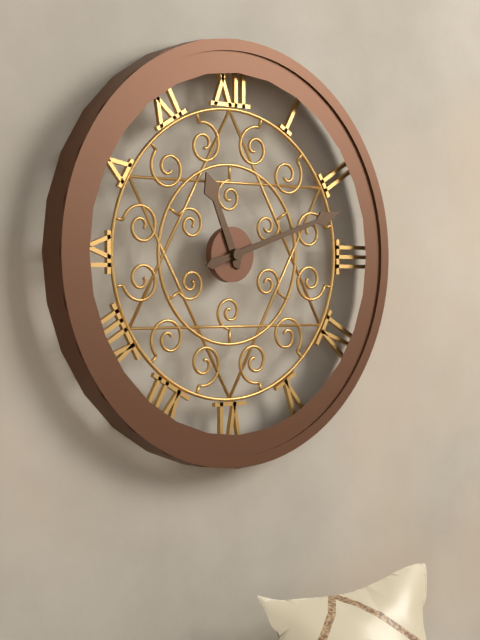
**11:12**
